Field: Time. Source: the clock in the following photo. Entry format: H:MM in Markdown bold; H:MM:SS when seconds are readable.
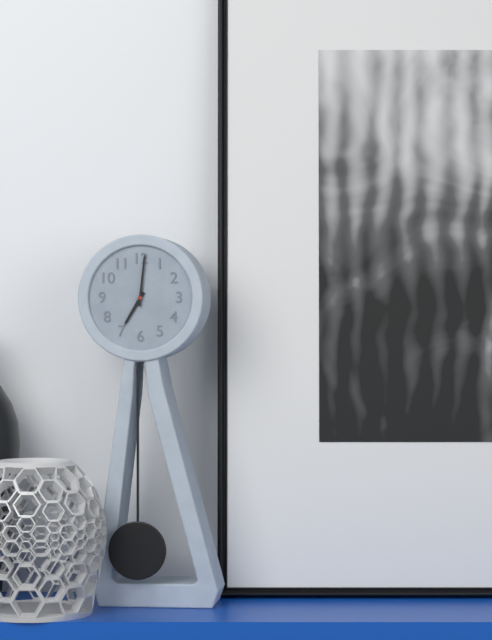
**7:01**
